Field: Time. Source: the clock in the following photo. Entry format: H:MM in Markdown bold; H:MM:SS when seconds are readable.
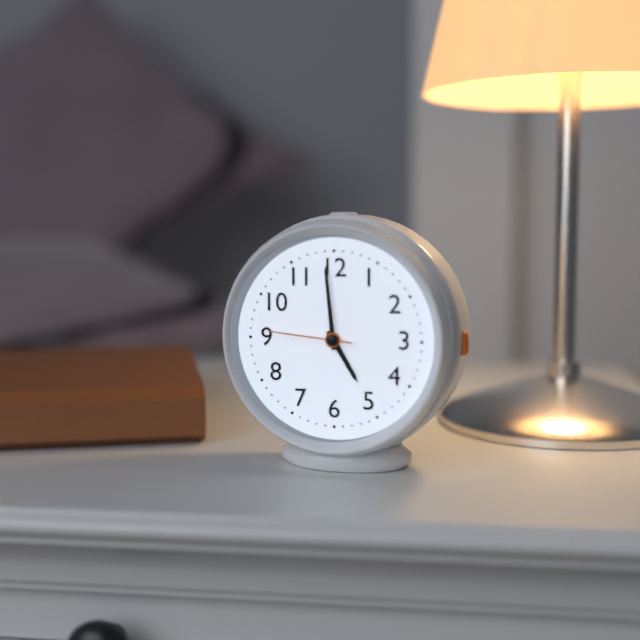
**4:59:46**
